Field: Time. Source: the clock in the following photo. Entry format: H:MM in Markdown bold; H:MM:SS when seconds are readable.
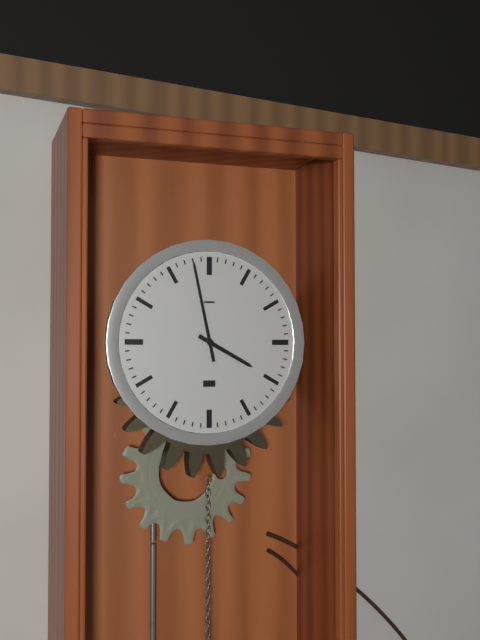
**3:58**
